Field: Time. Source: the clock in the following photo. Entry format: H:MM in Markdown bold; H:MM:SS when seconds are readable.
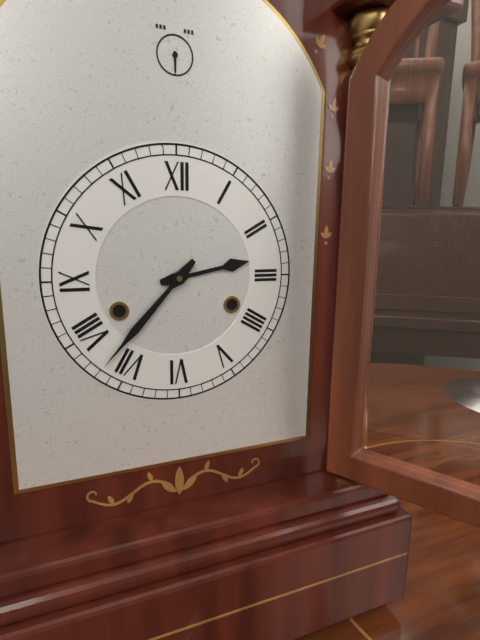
**2:37**
